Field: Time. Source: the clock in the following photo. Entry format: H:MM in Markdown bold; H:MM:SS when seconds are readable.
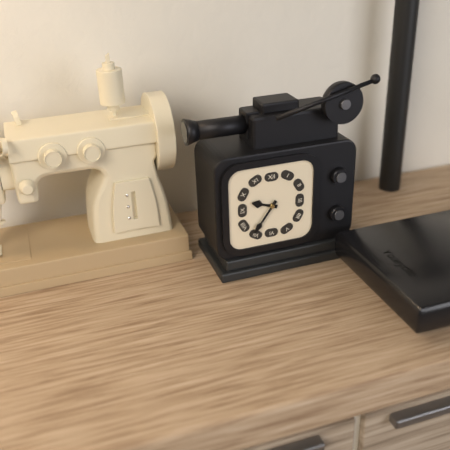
**9:36**
